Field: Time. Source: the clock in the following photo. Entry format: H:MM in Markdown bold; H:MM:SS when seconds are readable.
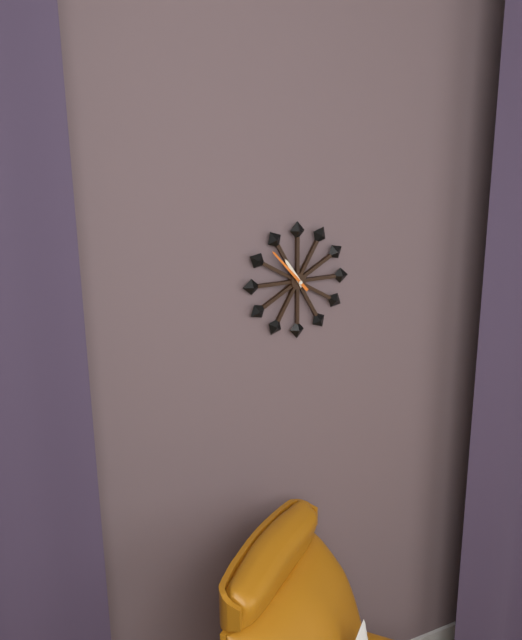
**10:53**
